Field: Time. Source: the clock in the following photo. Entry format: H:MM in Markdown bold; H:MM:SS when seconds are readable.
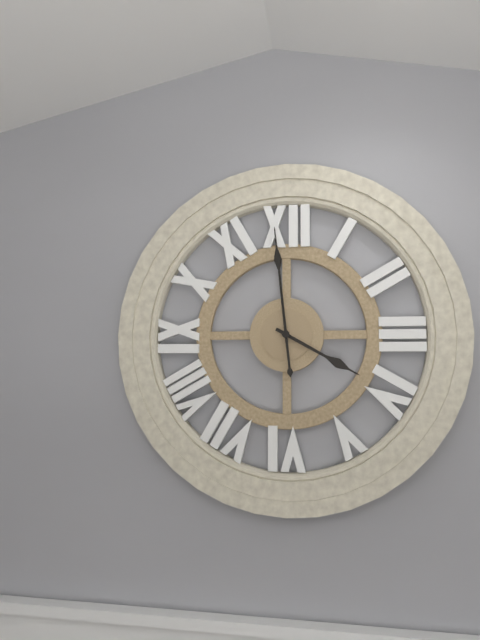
**3:59**
